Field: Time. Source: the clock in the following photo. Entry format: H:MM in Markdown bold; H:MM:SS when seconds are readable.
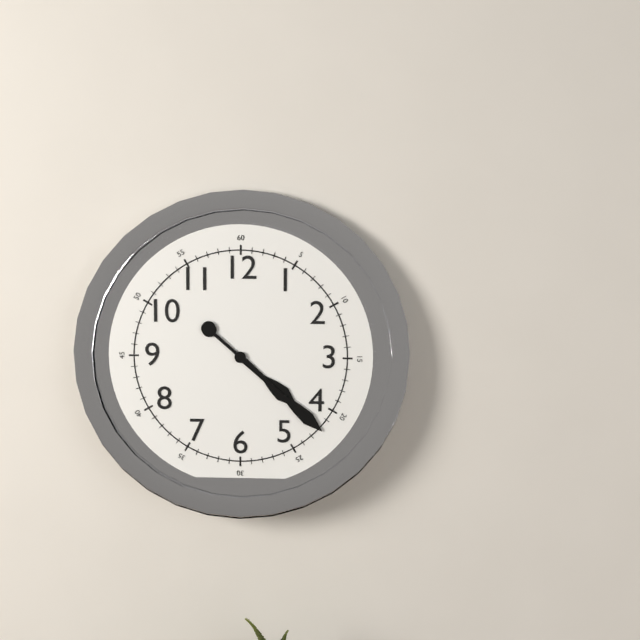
**4:22**
